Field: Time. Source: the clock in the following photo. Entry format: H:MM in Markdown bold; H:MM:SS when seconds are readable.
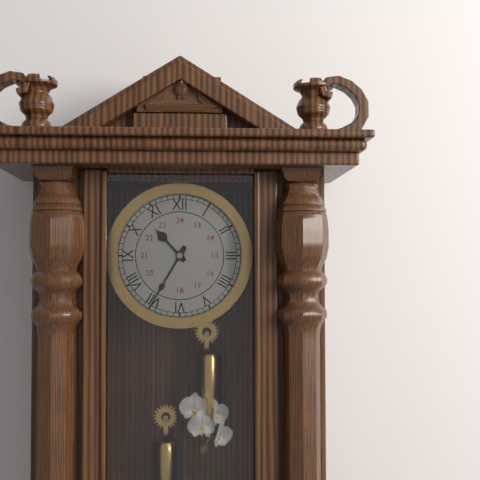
**10:35**
